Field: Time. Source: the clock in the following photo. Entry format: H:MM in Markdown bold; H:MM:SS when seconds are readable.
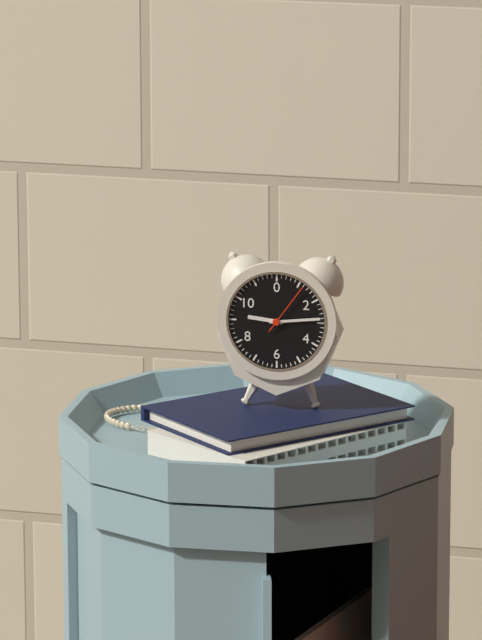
**9:14:06**
